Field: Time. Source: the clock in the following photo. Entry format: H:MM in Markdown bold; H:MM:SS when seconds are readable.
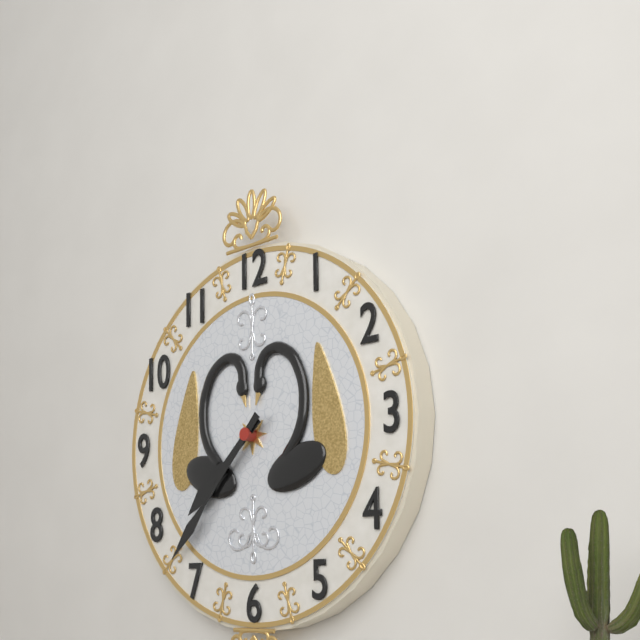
**7:37**
